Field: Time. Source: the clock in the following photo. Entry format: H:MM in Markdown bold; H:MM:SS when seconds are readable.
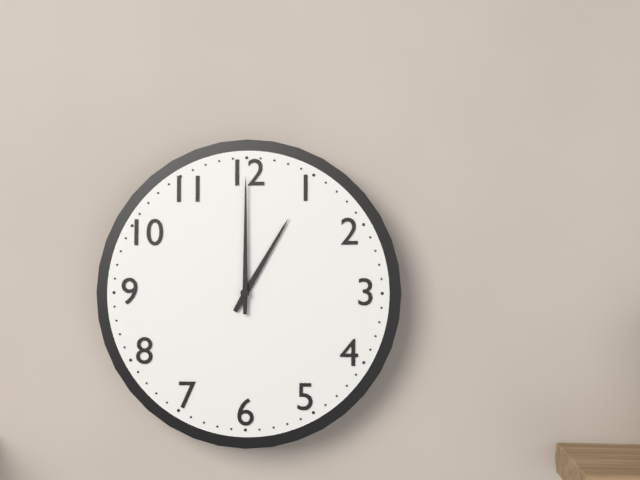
**1:00**
